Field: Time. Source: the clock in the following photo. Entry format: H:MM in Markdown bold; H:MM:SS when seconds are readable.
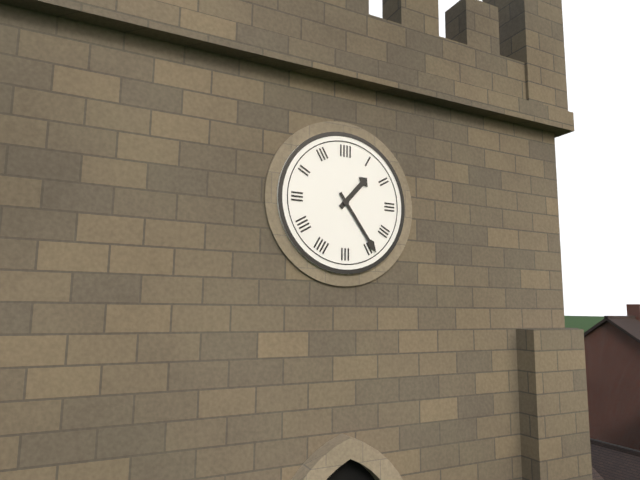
**1:24**
